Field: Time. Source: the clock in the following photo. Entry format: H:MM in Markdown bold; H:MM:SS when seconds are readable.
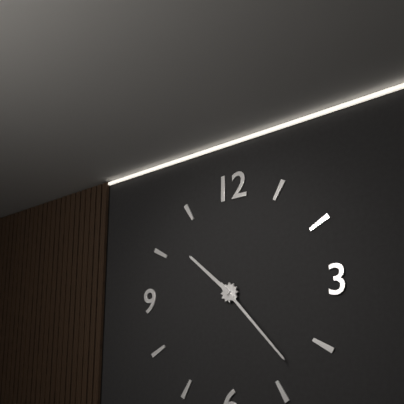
**10:23**
